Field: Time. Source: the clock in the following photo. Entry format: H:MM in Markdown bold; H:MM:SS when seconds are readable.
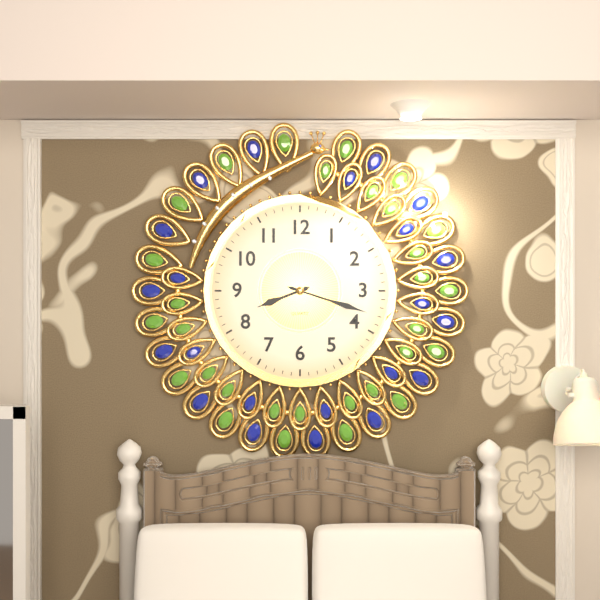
**8:18**
